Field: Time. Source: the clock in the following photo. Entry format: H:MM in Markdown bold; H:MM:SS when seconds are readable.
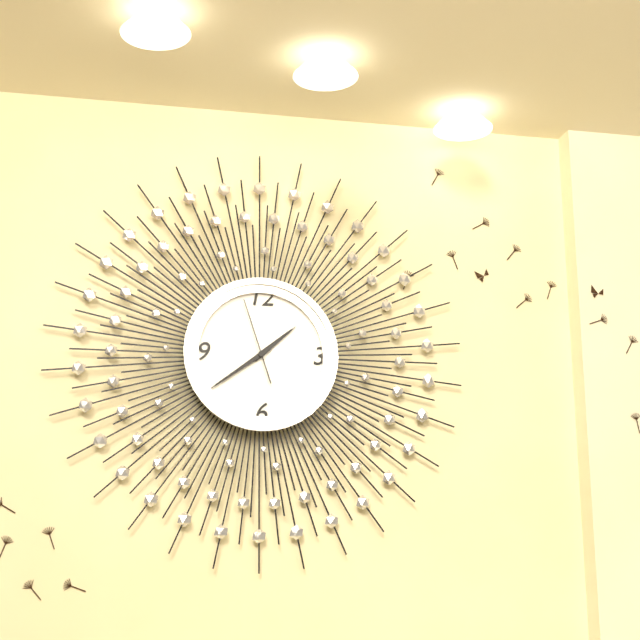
**1:39:57**
